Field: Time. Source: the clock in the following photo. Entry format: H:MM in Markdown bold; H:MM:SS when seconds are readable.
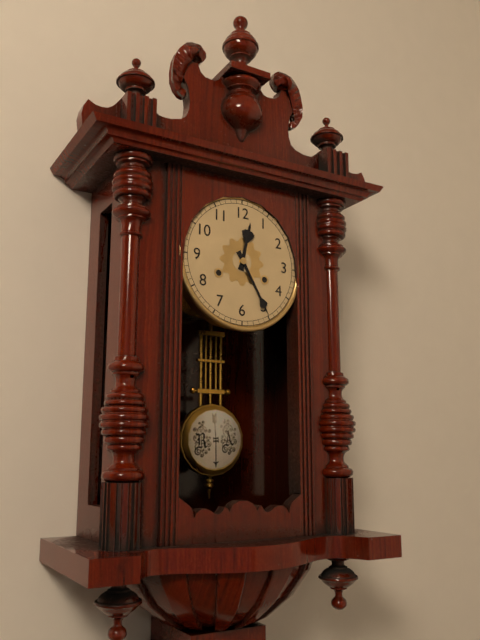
**12:25**
